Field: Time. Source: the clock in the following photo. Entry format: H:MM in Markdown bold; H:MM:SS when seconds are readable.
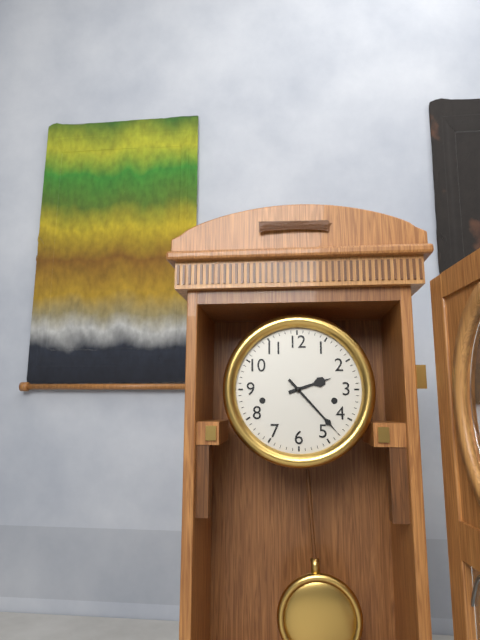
**2:23**
